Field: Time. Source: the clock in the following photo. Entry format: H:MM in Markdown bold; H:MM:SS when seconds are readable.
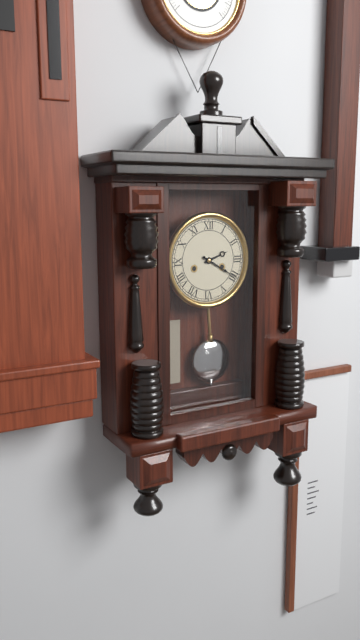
**2:20**
